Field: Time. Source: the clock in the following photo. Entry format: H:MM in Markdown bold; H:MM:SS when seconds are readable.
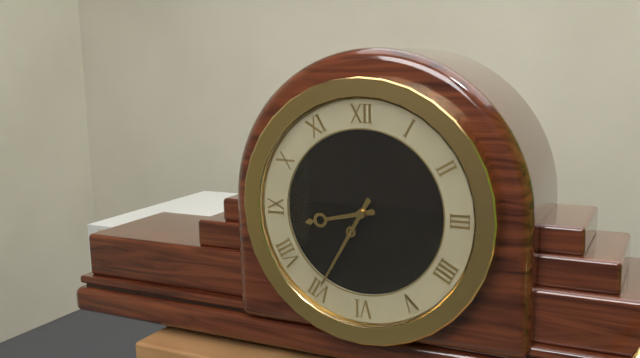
**8:35**
